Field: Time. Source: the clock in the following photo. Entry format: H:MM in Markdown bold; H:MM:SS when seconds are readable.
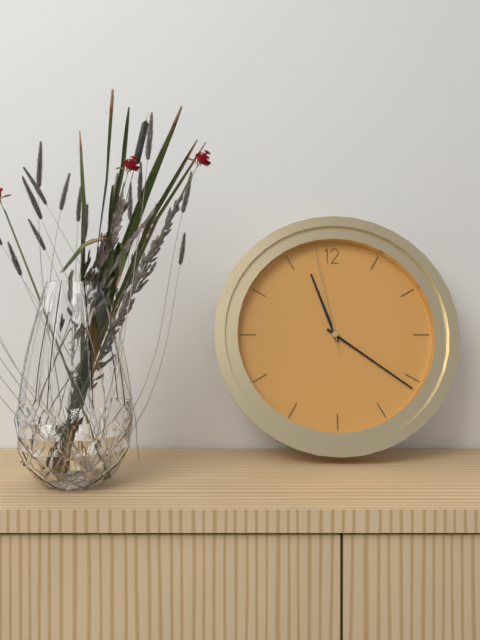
**11:21:58**
